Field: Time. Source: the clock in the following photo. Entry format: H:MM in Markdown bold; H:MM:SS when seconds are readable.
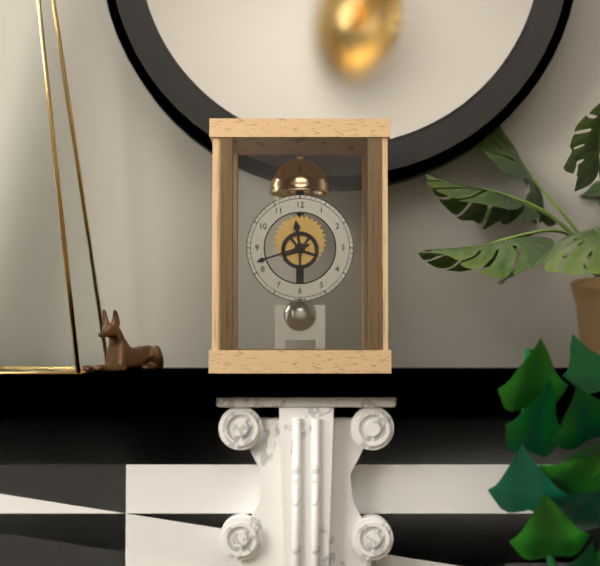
**11:42**
